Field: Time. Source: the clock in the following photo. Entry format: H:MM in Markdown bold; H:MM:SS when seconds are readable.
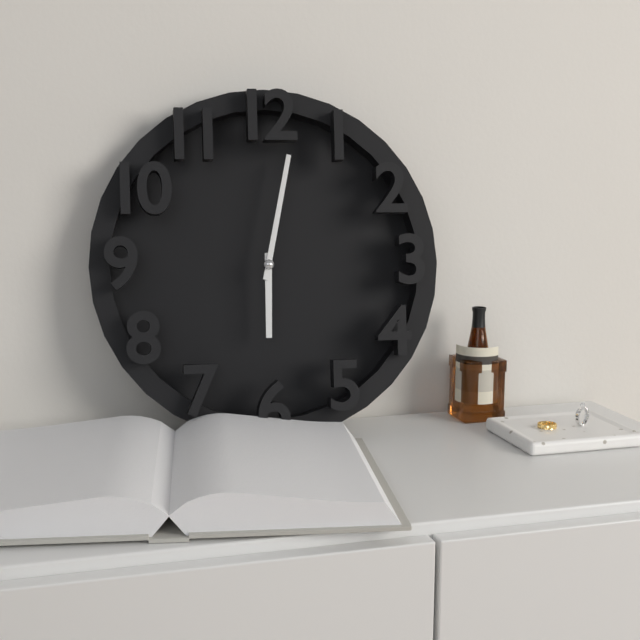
**6:02**
